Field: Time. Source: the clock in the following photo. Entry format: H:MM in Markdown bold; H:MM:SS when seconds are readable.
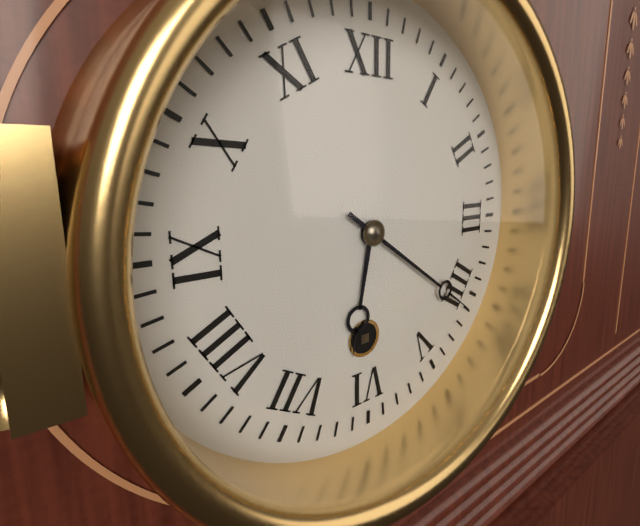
**6:21**
